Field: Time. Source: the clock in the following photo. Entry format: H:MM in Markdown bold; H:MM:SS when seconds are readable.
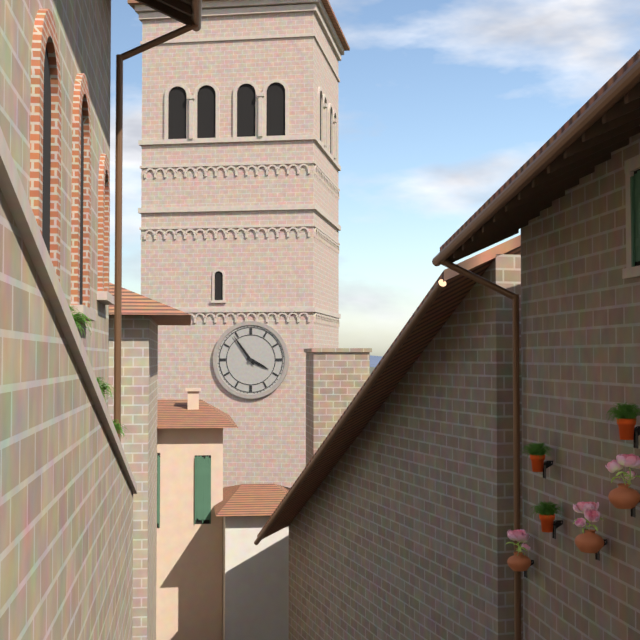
**3:54**
